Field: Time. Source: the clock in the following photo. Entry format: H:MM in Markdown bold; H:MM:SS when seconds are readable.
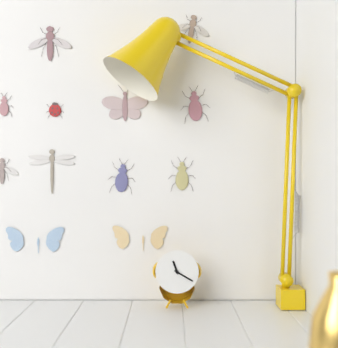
**11:20**
